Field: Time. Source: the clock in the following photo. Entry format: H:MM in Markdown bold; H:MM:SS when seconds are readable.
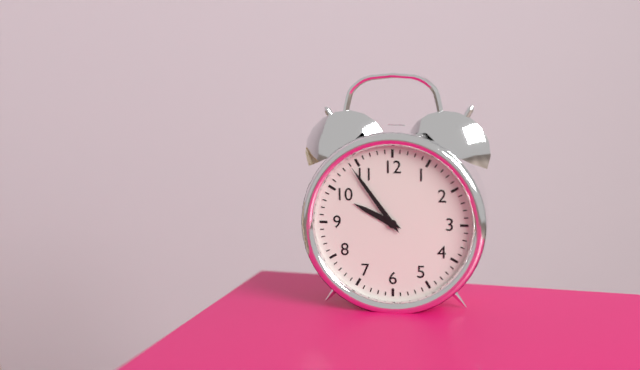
**9:54**
